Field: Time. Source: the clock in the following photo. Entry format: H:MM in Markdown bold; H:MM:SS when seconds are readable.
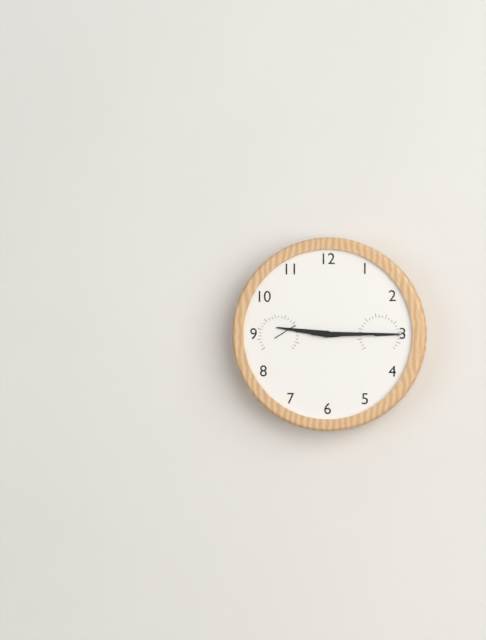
**9:15**
